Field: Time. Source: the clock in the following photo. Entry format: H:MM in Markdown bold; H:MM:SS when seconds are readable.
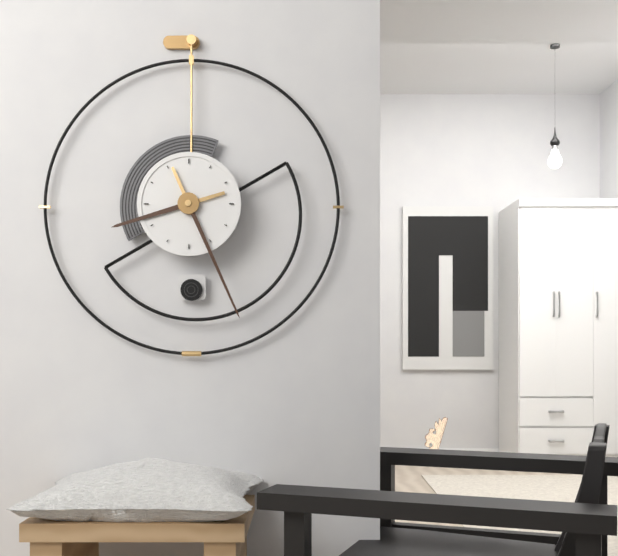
**8:26**
